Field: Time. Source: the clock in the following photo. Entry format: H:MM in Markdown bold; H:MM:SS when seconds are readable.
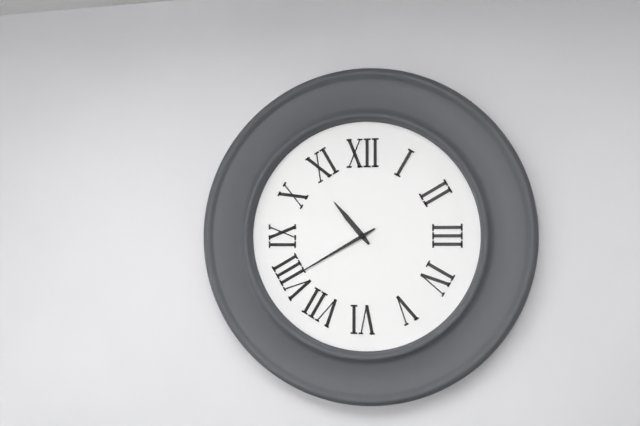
**10:40**
